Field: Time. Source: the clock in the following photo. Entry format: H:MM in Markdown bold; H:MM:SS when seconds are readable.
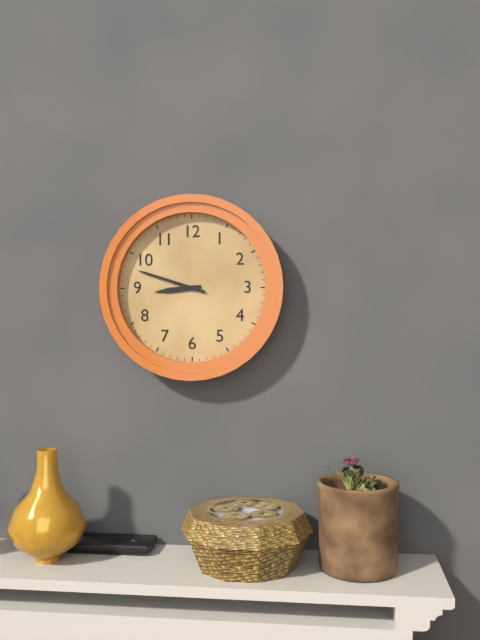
**8:48**
